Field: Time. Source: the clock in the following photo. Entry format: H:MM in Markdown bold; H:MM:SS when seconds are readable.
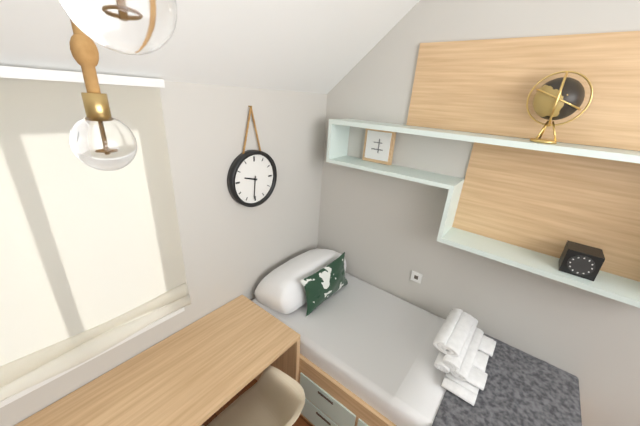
**9:31**
